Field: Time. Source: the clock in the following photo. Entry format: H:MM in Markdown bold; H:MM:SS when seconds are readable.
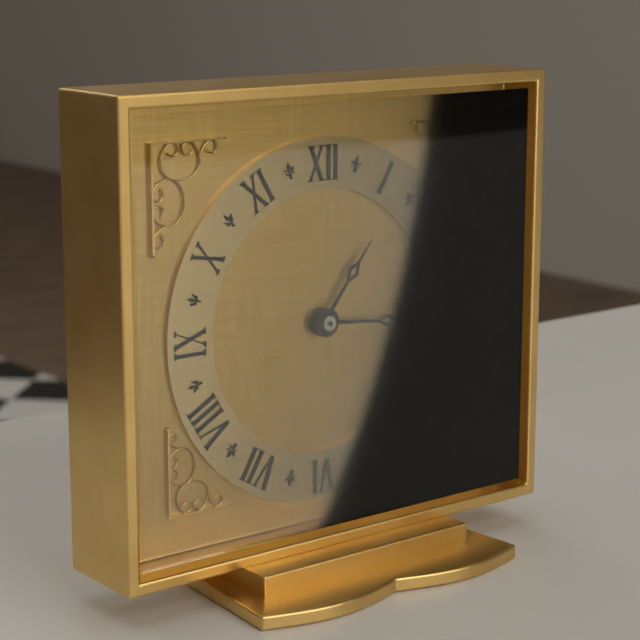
**1:16**
